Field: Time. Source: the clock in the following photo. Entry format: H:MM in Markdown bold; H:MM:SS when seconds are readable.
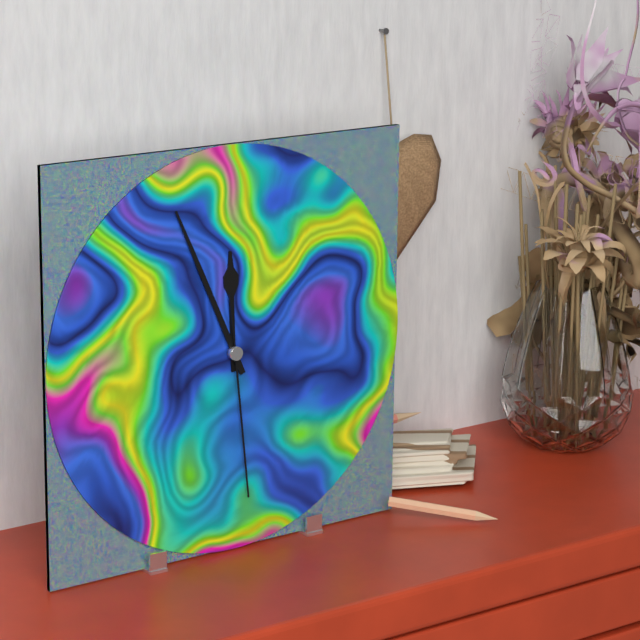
**11:56:29**
